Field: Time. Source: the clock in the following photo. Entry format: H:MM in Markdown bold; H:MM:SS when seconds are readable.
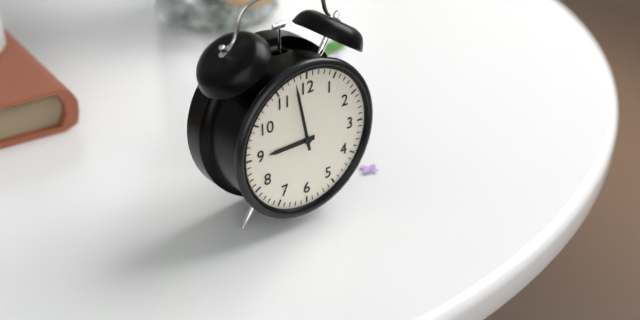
**8:58**
